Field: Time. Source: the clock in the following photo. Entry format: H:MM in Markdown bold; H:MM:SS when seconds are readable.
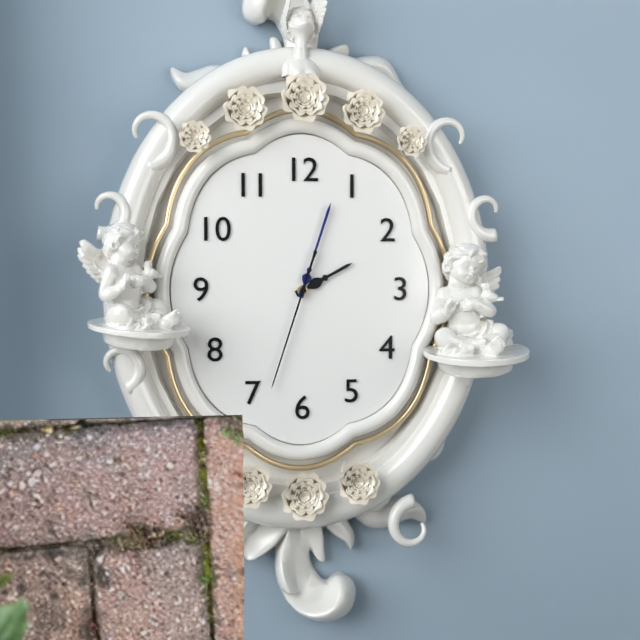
**2:03:33**
